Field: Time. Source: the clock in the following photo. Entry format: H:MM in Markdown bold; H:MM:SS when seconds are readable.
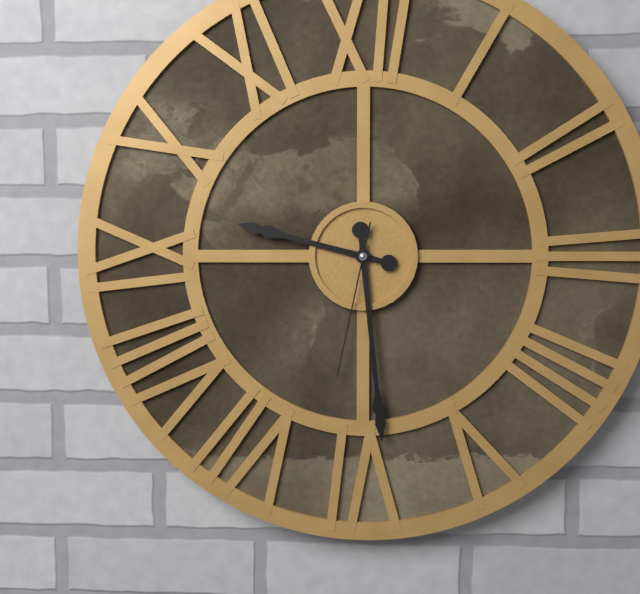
**9:29:32**
